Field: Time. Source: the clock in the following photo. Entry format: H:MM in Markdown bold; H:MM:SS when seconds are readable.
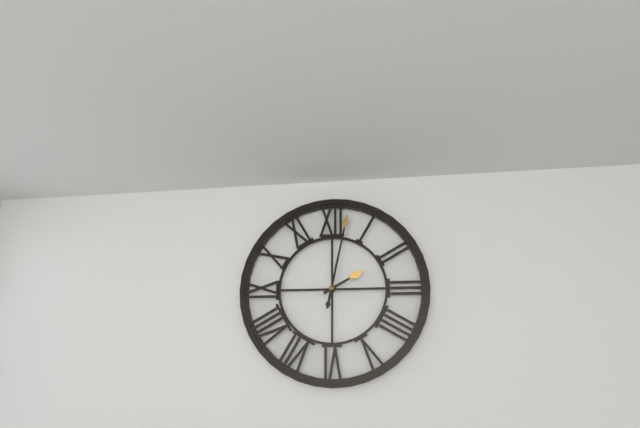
**2:02**
